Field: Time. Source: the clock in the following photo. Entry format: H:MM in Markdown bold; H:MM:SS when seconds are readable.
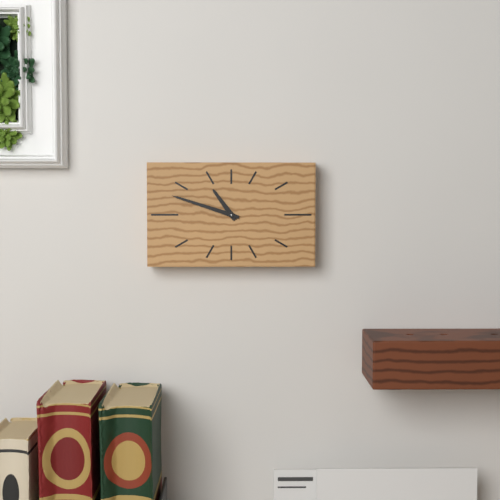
**10:48**
